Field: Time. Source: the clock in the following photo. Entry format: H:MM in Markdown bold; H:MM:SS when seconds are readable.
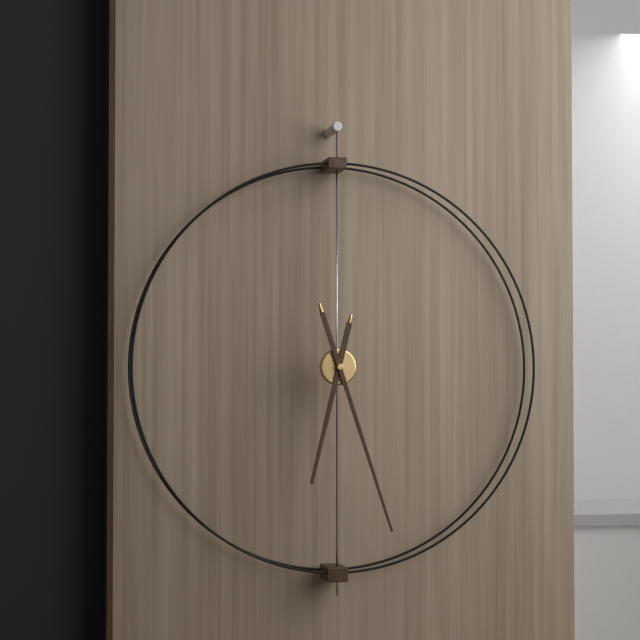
**6:27**
